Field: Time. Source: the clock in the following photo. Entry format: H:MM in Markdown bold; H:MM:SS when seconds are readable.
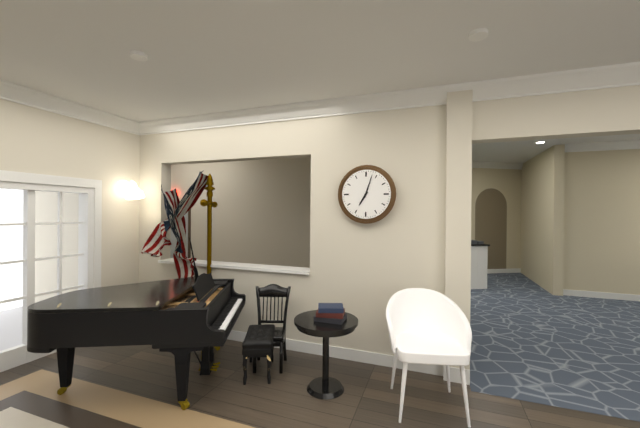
**7:03**
